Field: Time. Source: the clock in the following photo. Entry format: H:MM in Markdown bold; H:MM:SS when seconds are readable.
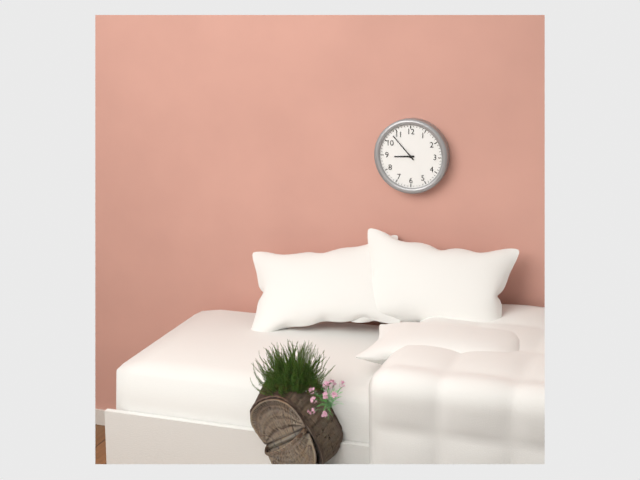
**8:53**
